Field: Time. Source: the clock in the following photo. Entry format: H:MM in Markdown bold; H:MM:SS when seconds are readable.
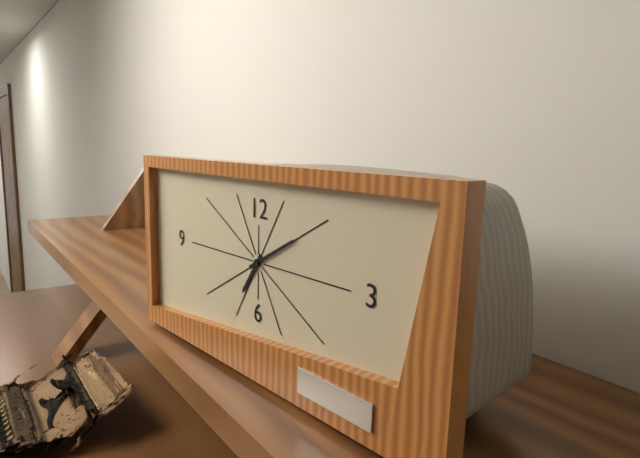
**7:10**
